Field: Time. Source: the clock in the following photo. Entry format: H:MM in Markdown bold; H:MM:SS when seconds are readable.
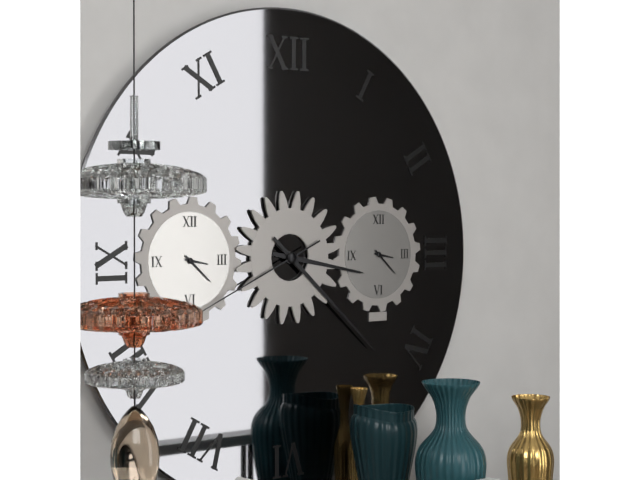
**3:22:41**
